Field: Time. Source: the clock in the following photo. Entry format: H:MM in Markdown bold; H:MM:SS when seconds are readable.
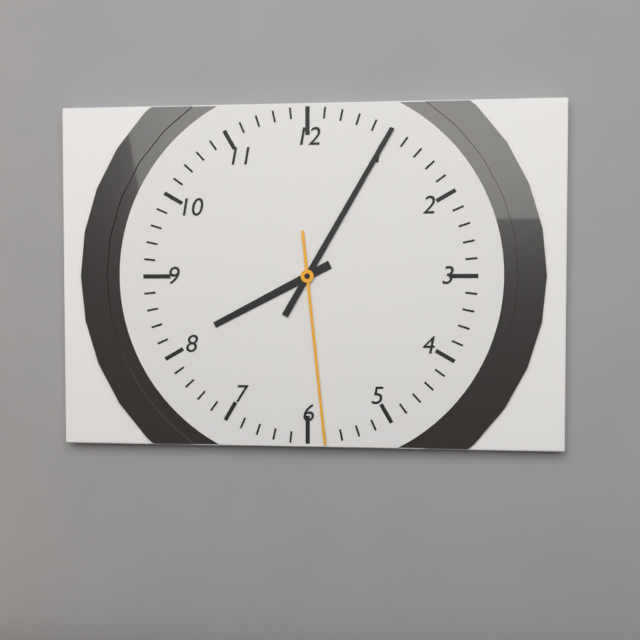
**8:05:29**
